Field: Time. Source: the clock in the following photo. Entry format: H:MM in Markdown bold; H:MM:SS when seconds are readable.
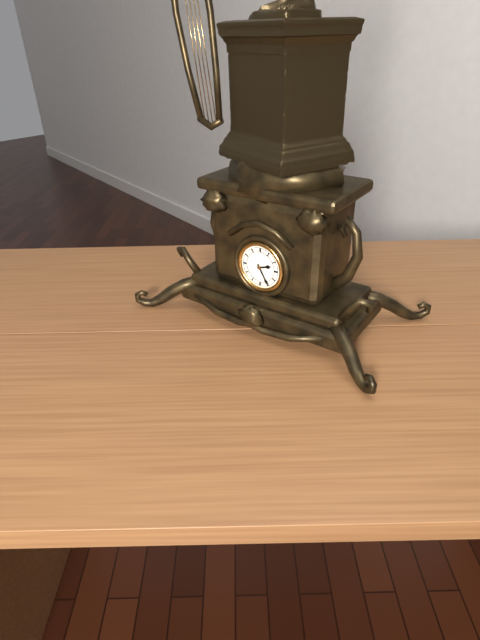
**2:25**
